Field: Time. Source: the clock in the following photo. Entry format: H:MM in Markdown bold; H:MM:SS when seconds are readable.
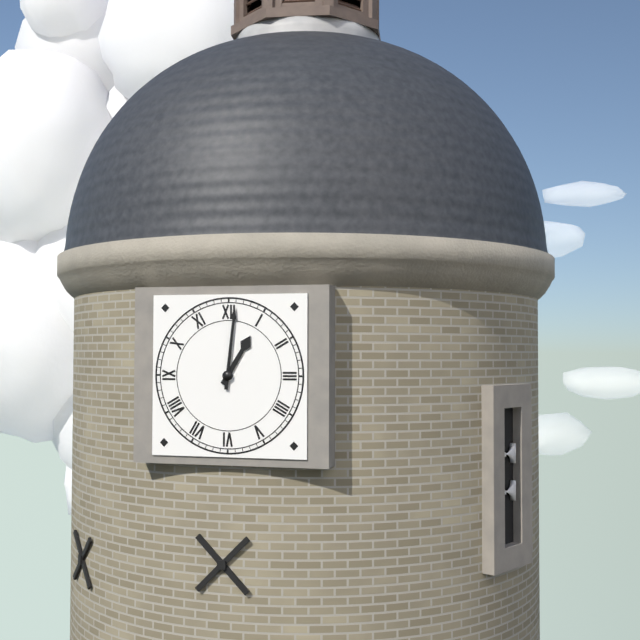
**1:01**
